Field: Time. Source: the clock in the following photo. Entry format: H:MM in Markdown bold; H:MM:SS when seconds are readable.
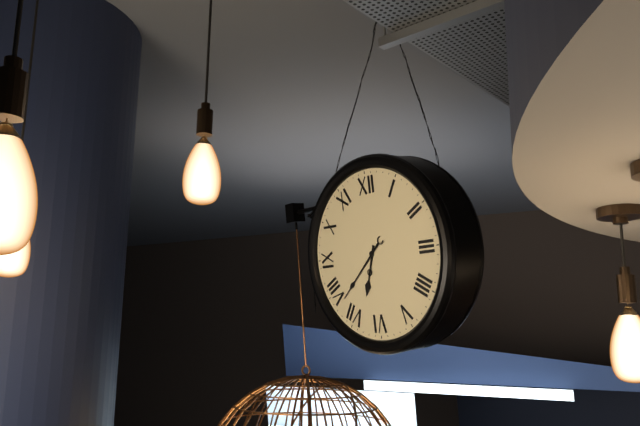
**6:38**
